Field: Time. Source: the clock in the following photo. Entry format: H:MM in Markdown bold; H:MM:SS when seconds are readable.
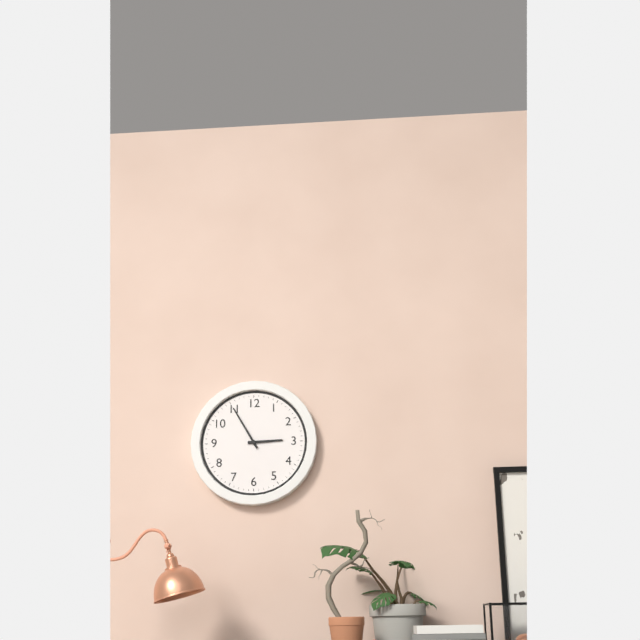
**2:55**
